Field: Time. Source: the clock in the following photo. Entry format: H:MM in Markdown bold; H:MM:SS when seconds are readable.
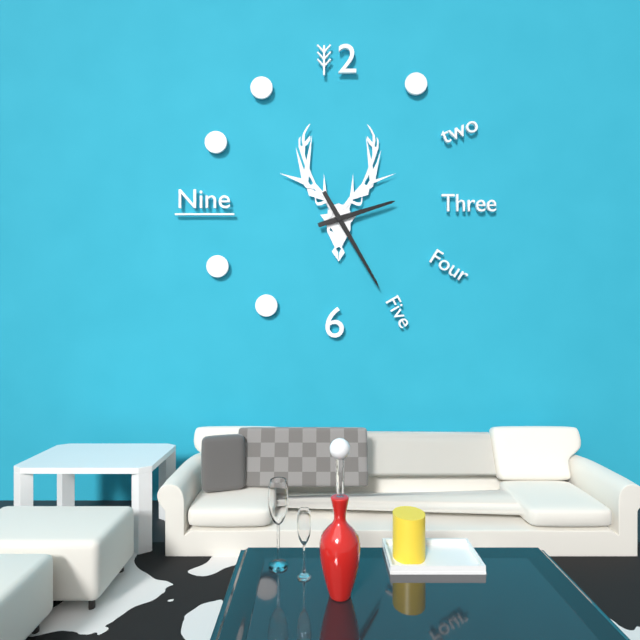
**2:25**
